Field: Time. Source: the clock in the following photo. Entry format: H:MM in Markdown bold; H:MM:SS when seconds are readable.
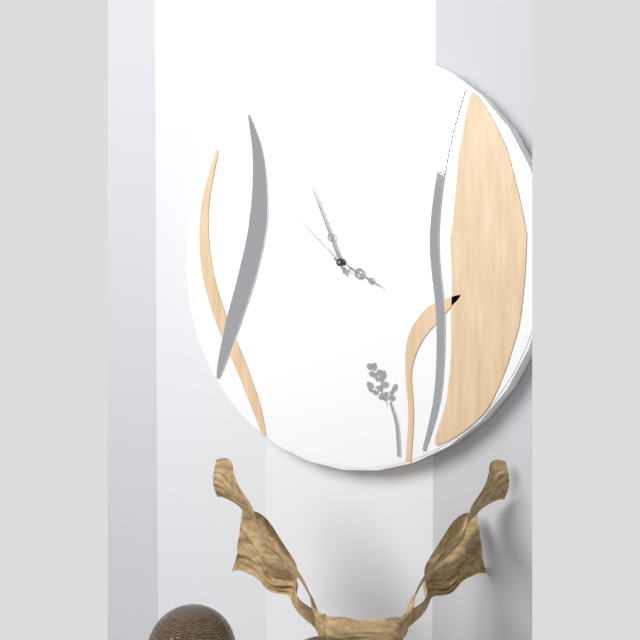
**3:56:52**
